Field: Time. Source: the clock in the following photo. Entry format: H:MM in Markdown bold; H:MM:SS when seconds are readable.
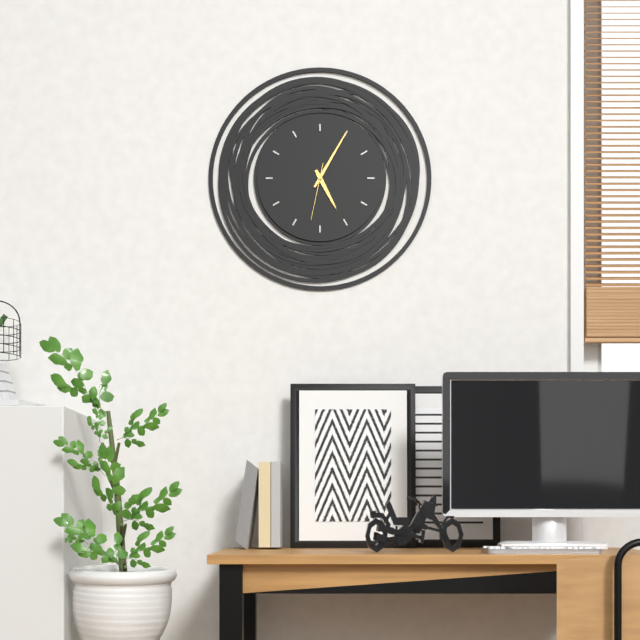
**5:05:32**
